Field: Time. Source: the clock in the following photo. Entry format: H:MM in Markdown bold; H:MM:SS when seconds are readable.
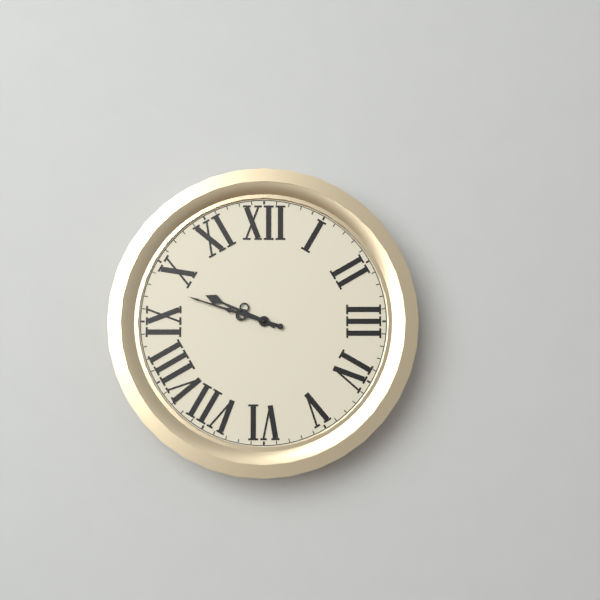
**9:48**
